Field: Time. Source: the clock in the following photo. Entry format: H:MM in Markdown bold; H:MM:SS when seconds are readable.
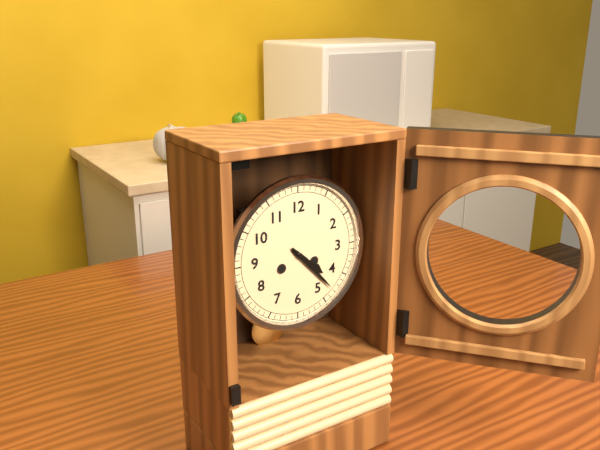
**4:23**
